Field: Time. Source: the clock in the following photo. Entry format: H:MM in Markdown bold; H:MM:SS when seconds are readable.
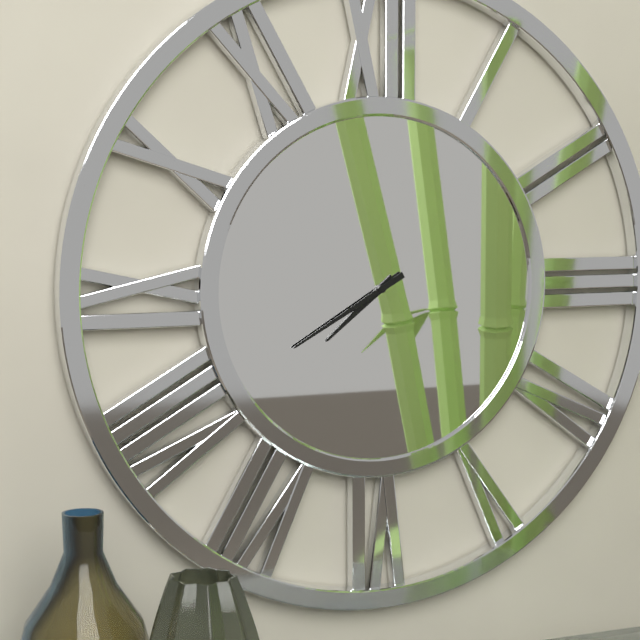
**7:40**
